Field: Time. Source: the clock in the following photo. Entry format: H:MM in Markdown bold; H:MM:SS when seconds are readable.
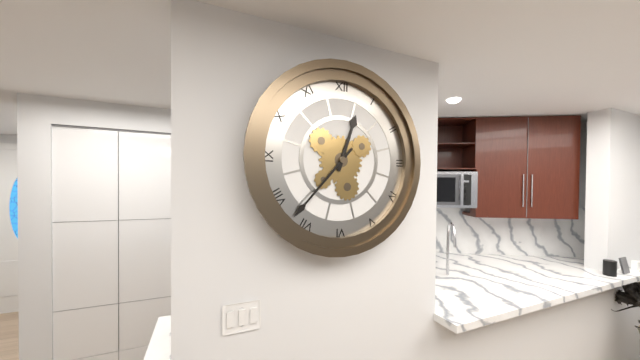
**12:37**
